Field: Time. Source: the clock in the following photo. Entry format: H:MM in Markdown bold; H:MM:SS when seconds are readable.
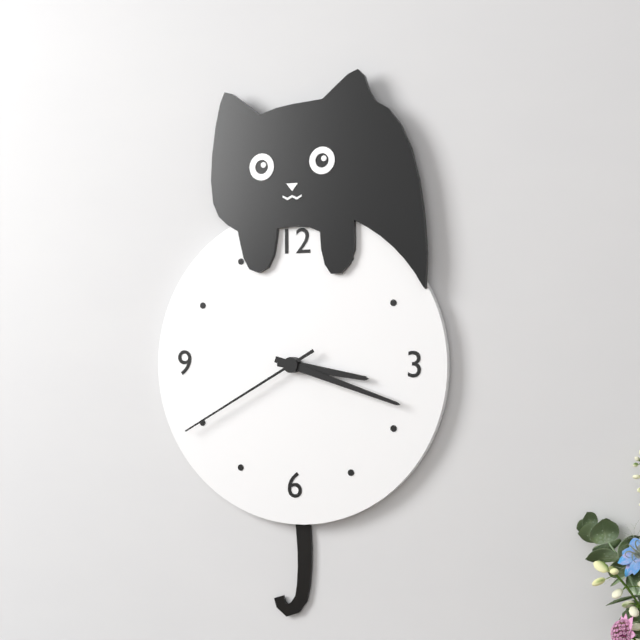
**3:18:40**
